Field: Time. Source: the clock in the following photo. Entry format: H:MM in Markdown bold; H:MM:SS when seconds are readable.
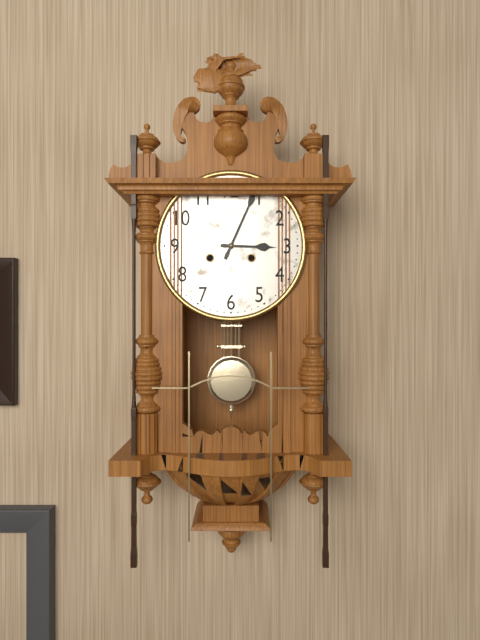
**3:04**
